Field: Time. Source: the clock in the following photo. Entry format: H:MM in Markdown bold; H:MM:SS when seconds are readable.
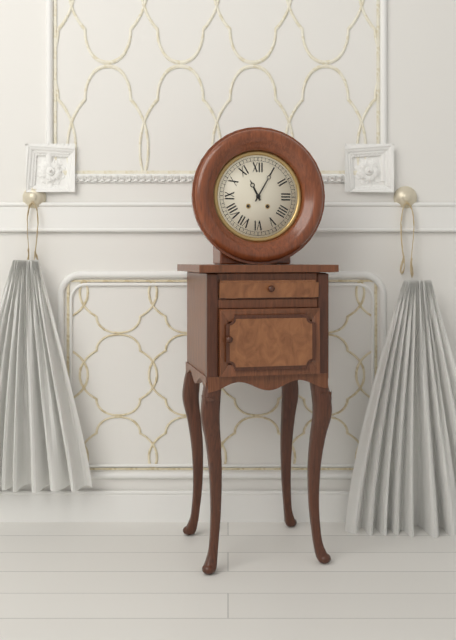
**11:05**
